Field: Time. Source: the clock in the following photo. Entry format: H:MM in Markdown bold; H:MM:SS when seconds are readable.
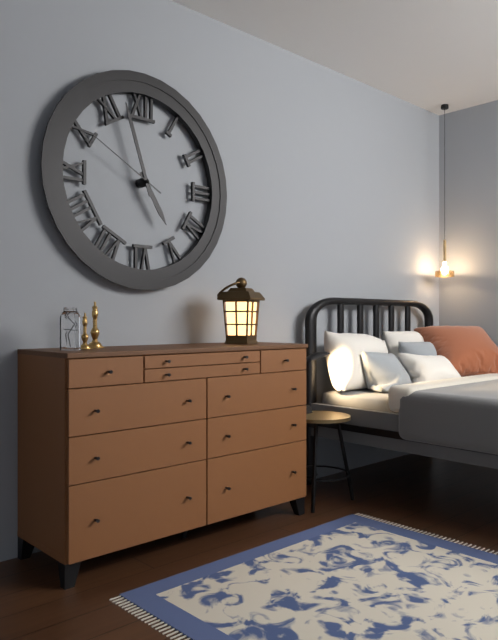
**4:57:50**
